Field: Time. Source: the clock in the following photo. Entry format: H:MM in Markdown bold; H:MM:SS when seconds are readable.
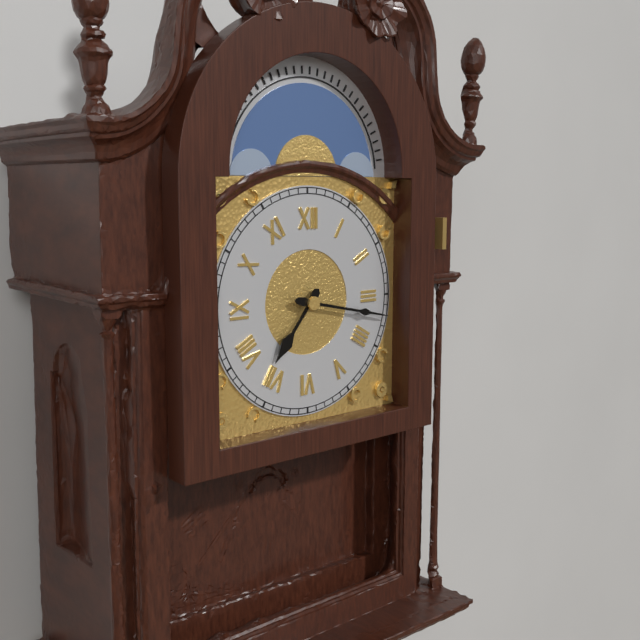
**7:17**
